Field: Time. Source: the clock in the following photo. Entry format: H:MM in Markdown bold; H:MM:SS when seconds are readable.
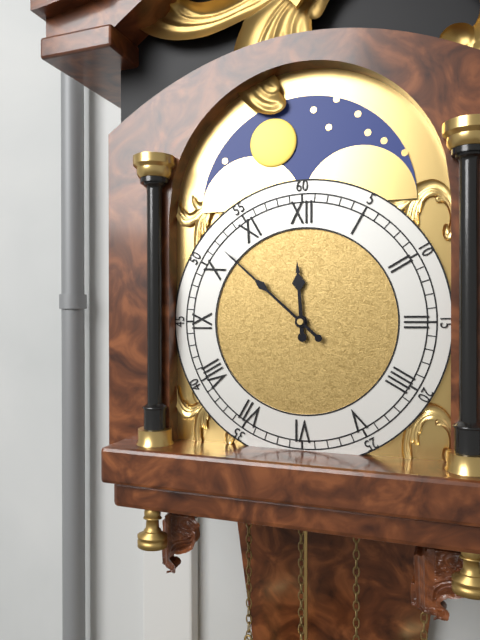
**11:52**
